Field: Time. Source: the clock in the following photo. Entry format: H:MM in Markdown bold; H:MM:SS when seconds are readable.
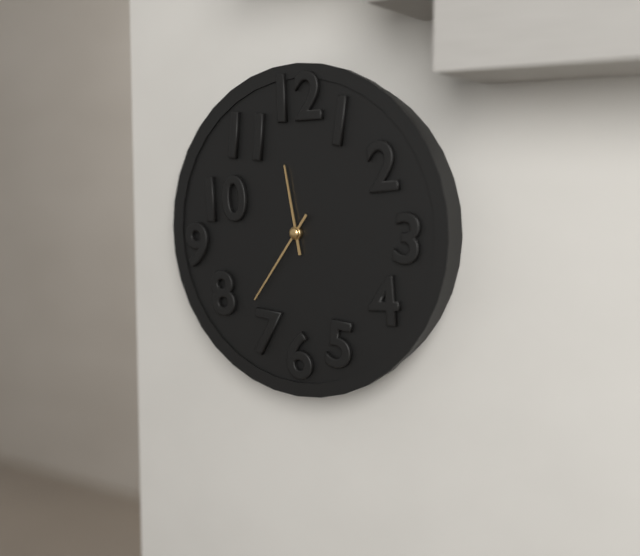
**11:36**
